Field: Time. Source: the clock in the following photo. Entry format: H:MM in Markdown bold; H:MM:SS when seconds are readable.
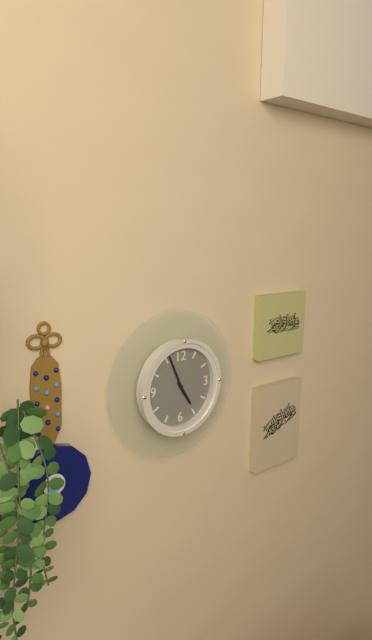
**4:56**
